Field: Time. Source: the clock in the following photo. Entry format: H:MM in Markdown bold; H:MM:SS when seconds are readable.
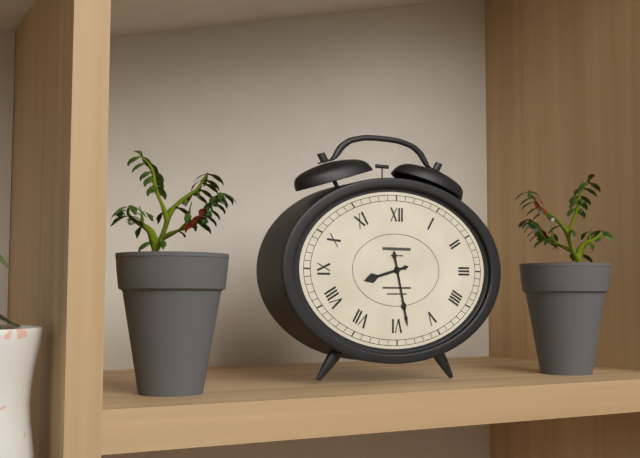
**8:28**
